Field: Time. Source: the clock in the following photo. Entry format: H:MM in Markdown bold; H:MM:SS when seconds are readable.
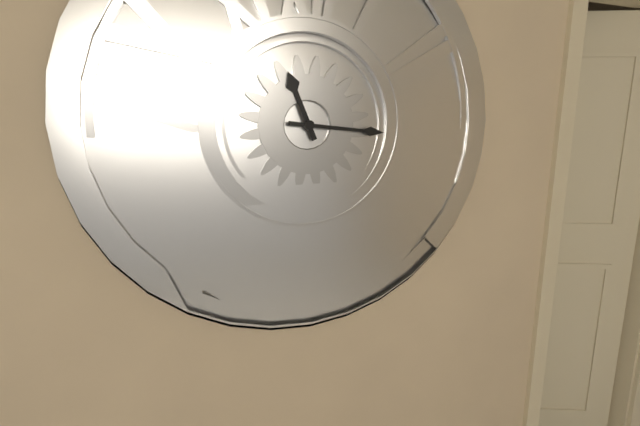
**11:16**
